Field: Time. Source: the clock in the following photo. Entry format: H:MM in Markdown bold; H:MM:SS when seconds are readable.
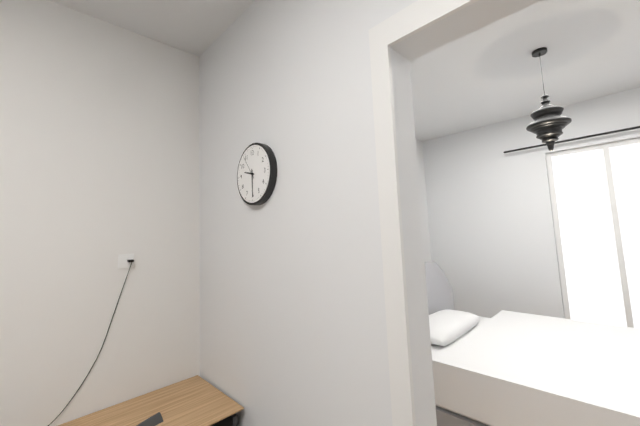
**9:30**
